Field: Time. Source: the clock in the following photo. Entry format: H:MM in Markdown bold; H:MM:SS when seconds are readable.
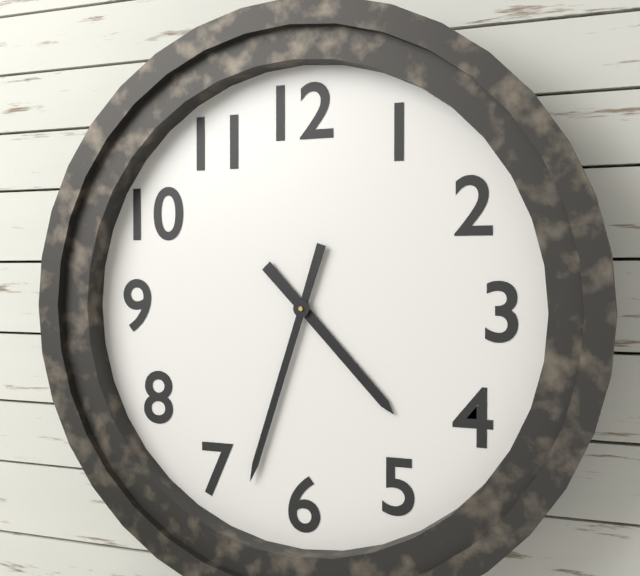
**4:33**
